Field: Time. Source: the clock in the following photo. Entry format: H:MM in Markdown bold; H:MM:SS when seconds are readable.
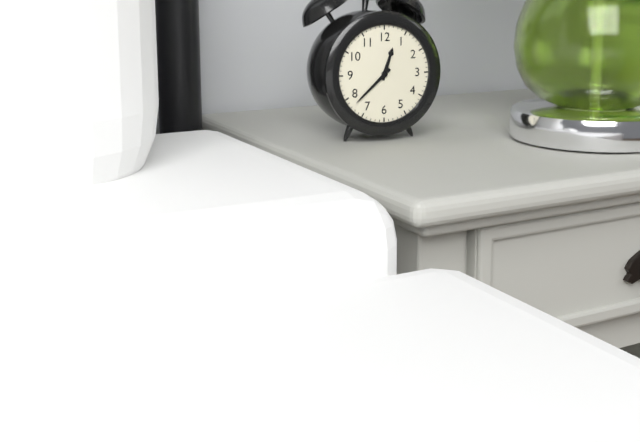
**12:38**
